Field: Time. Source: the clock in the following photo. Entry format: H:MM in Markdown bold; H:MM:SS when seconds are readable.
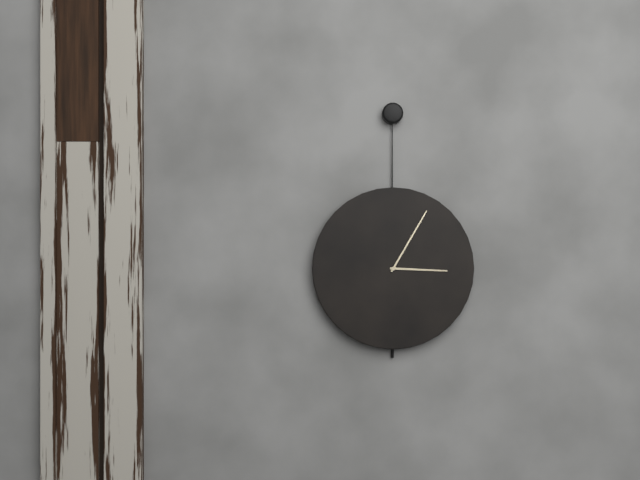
**3:05**
